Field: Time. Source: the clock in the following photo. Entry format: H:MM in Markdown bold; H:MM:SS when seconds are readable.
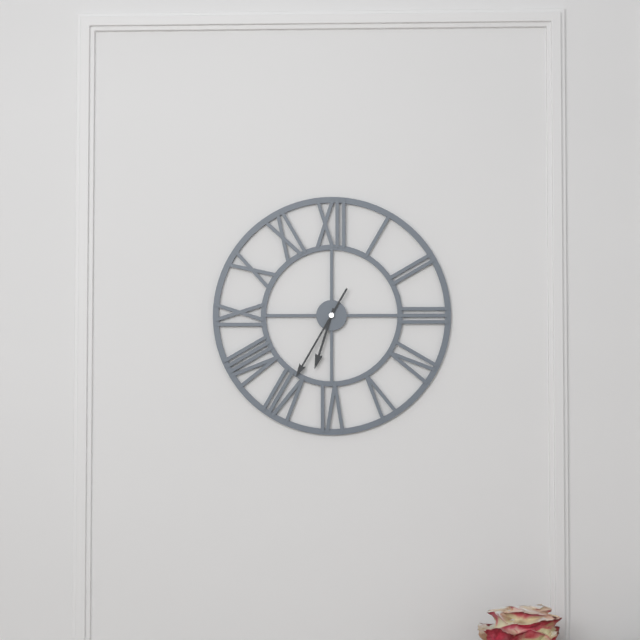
**6:35**
